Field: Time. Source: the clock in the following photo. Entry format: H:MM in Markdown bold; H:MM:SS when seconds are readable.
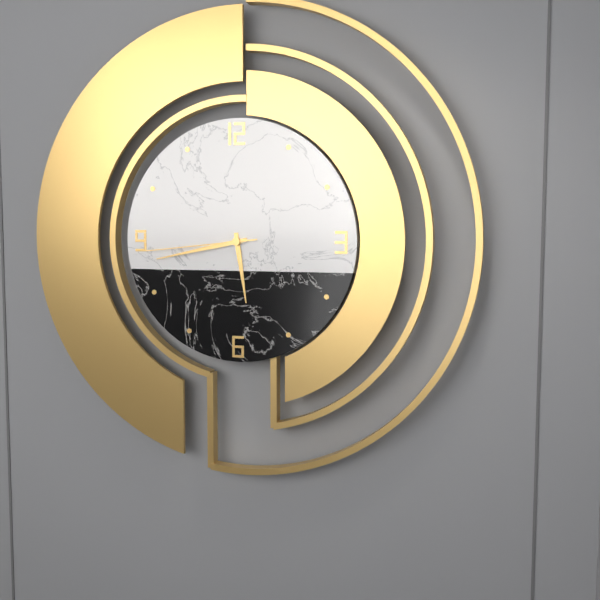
**5:43:44**
